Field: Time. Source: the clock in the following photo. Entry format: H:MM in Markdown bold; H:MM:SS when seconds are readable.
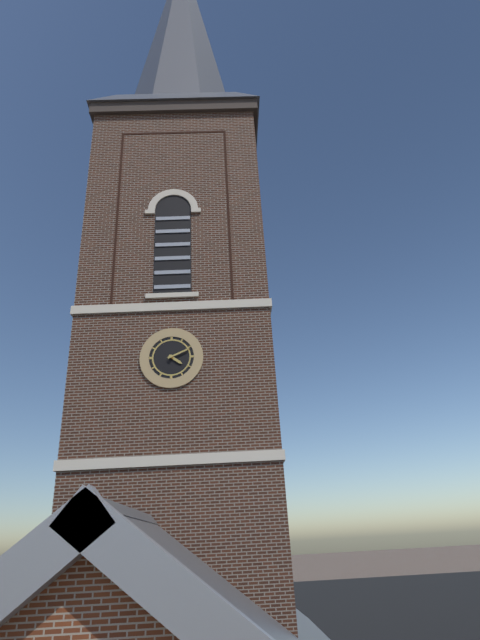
**4:11**
